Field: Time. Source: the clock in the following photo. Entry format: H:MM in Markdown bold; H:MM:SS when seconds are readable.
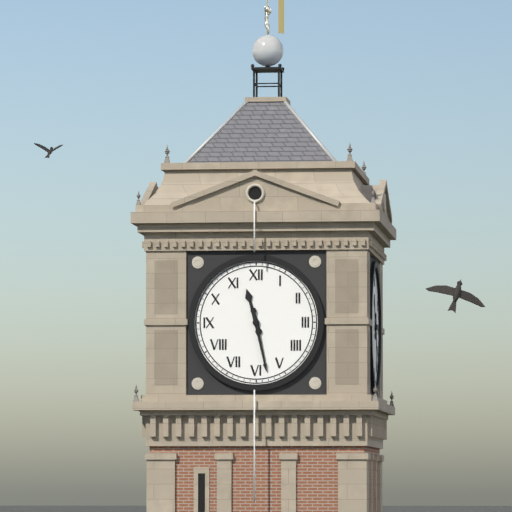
**11:28**
